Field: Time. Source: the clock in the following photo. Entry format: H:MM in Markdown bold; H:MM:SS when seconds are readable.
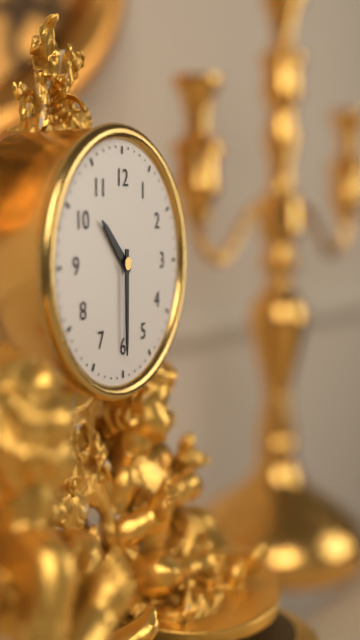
**10:30**
